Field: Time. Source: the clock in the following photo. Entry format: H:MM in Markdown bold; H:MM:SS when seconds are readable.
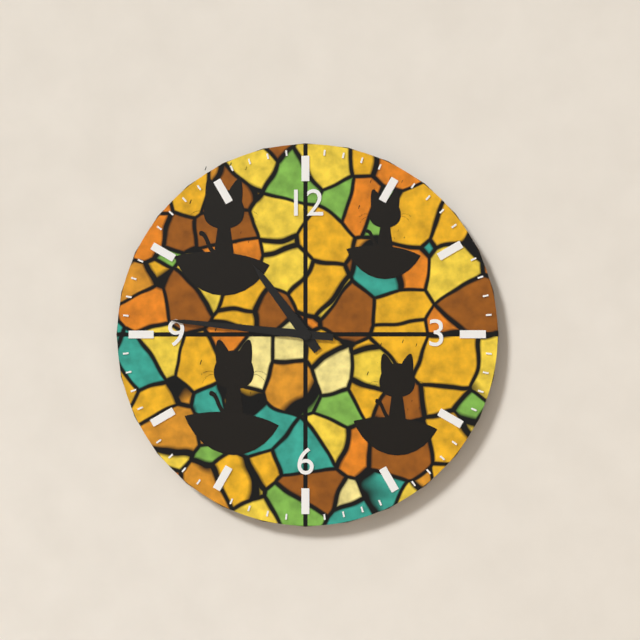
**10:46**
